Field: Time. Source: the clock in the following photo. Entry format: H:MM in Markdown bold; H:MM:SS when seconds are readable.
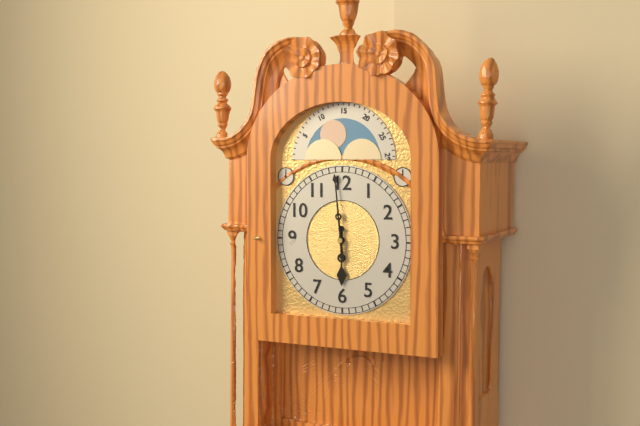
**5:59**
